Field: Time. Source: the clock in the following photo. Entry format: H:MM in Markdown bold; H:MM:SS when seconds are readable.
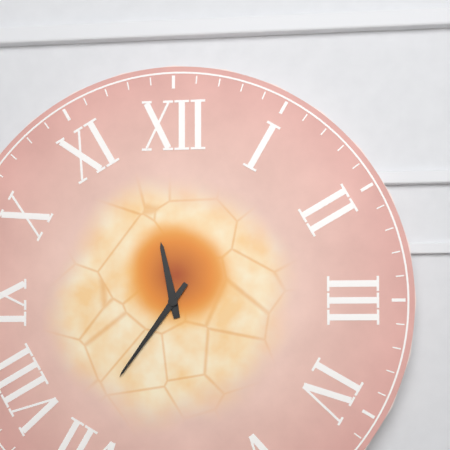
**11:36**
